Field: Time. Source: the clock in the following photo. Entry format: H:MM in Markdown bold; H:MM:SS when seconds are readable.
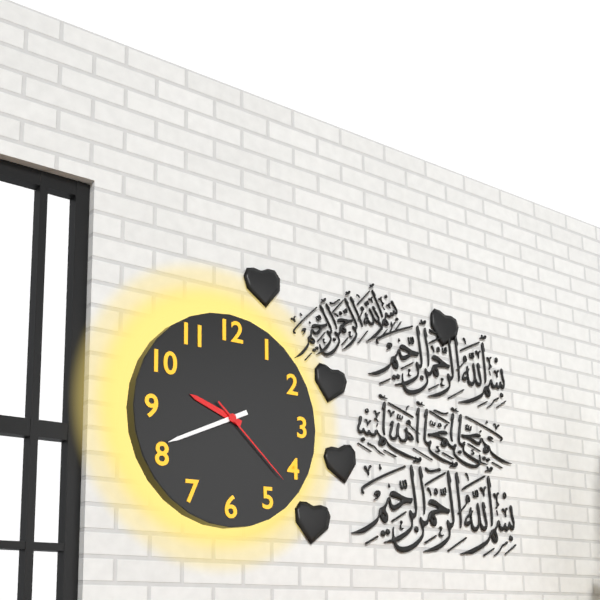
**9:41:22**
